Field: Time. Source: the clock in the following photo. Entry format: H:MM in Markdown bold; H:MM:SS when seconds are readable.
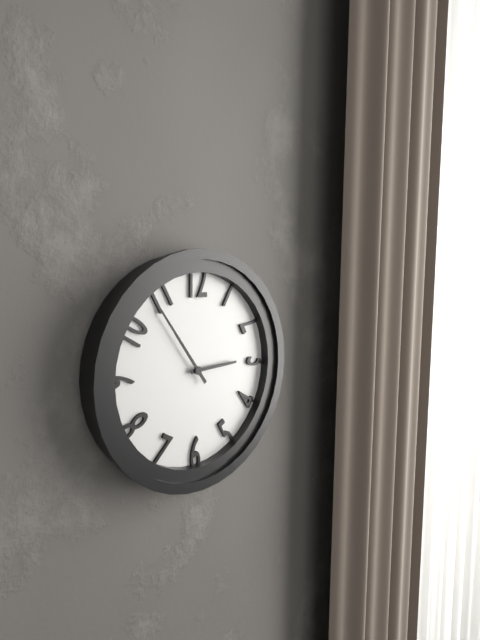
**2:54**
